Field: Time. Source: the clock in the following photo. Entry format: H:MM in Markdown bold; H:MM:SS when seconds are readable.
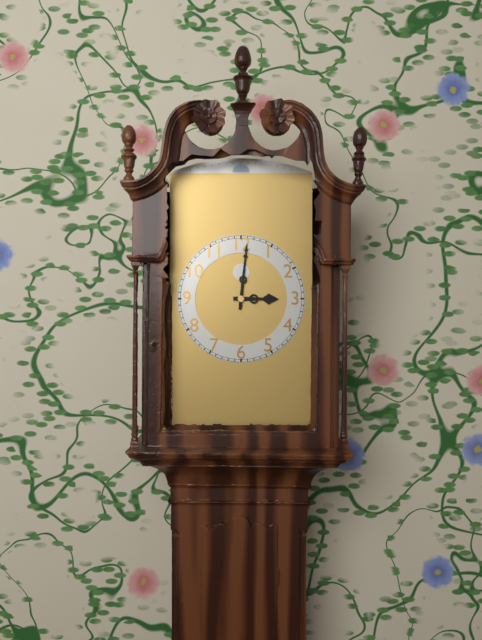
**3:01**
